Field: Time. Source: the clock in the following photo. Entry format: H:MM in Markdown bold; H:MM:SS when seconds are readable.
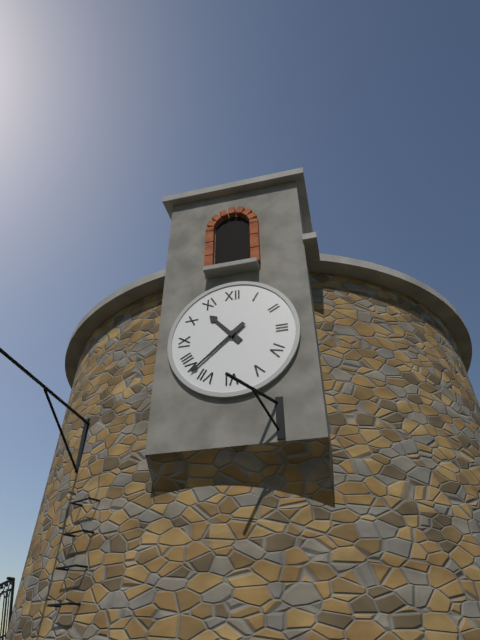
**10:38**
